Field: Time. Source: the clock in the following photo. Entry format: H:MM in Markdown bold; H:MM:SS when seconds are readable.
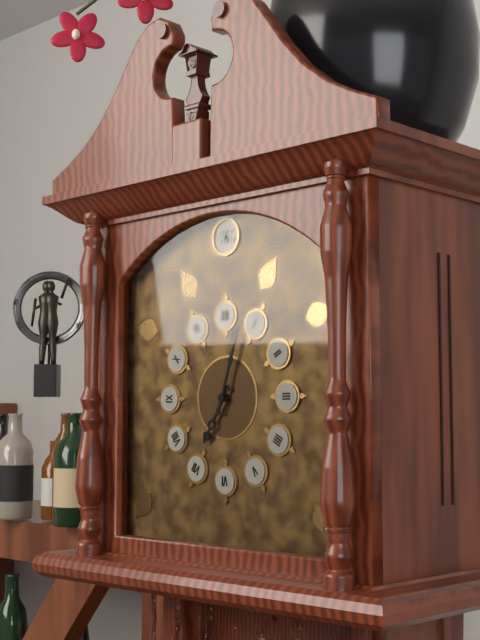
**7:03**
